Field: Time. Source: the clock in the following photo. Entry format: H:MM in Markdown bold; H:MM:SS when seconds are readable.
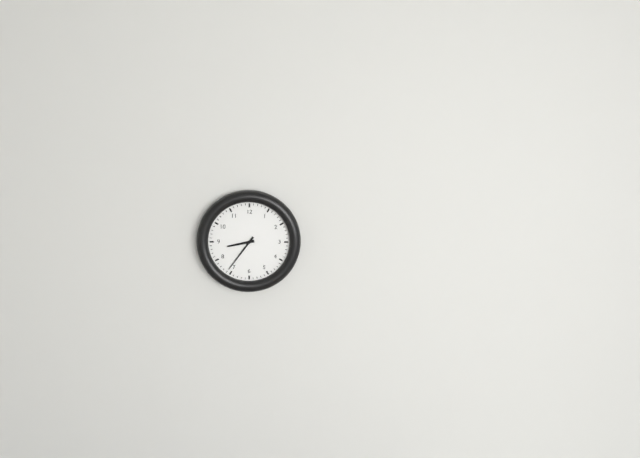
**8:36**
